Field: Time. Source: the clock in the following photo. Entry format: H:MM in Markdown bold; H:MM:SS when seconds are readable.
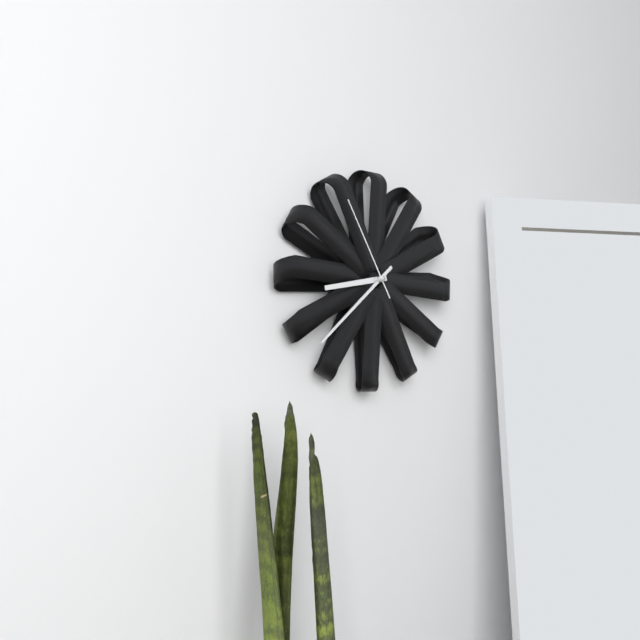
**8:38:55**
